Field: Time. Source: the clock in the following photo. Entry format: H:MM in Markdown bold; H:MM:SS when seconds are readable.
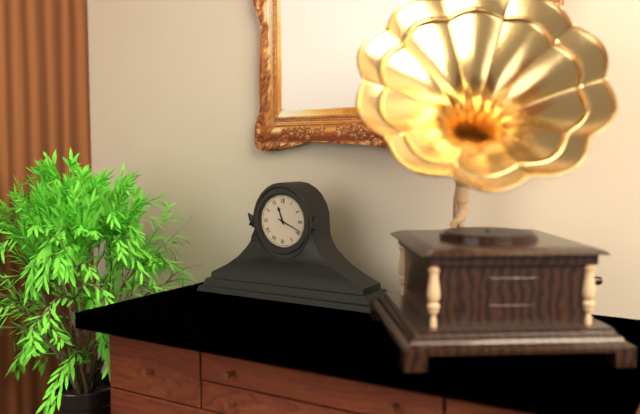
**11:19**
